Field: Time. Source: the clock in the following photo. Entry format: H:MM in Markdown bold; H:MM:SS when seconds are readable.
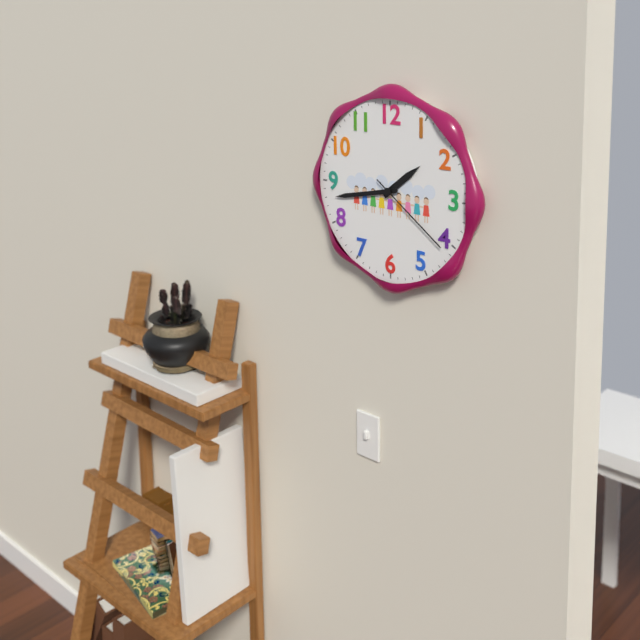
**1:43:21**
